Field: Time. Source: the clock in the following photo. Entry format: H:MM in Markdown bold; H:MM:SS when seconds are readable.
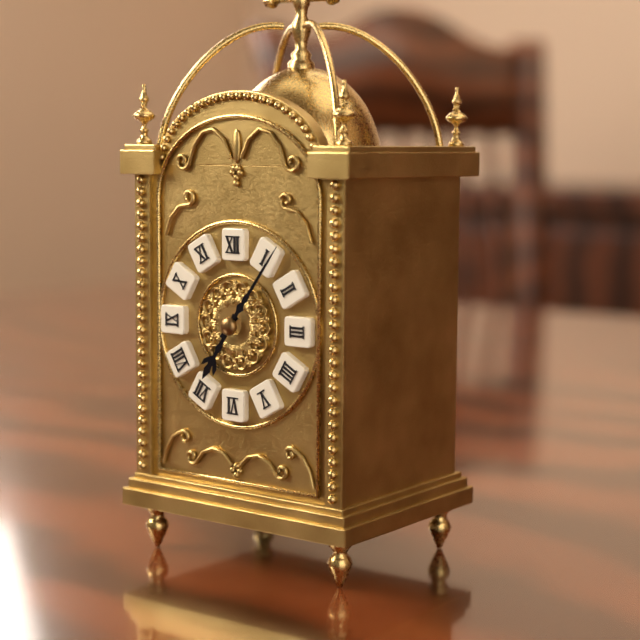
**7:06**
